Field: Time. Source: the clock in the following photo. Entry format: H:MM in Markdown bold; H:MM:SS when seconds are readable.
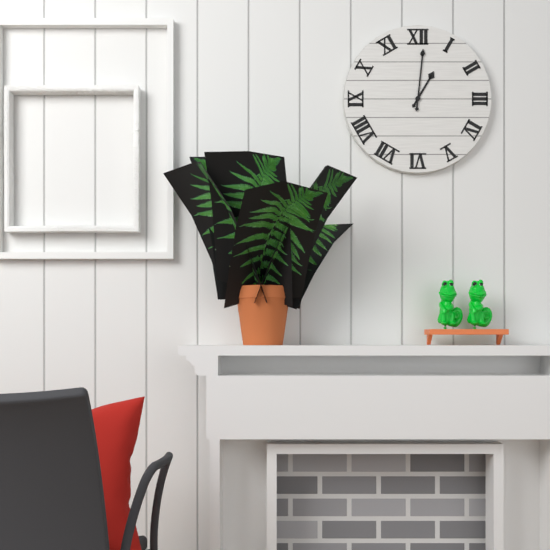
**1:01**
